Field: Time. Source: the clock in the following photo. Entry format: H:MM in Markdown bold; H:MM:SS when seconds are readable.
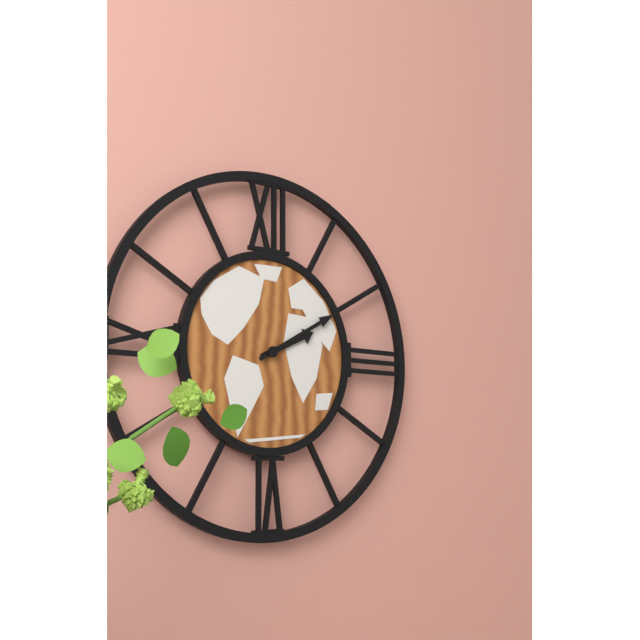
**2:10**
